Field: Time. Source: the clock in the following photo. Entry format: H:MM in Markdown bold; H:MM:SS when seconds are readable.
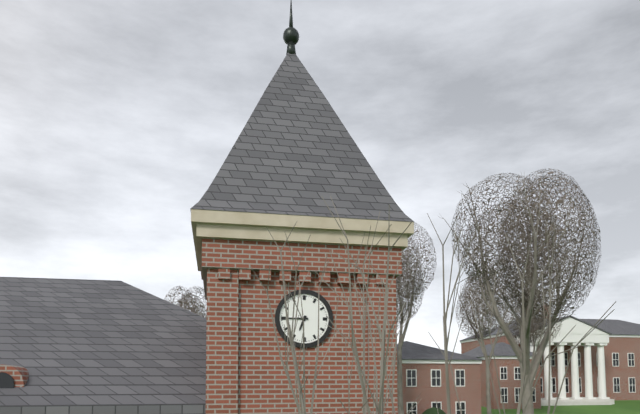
**6:45**
